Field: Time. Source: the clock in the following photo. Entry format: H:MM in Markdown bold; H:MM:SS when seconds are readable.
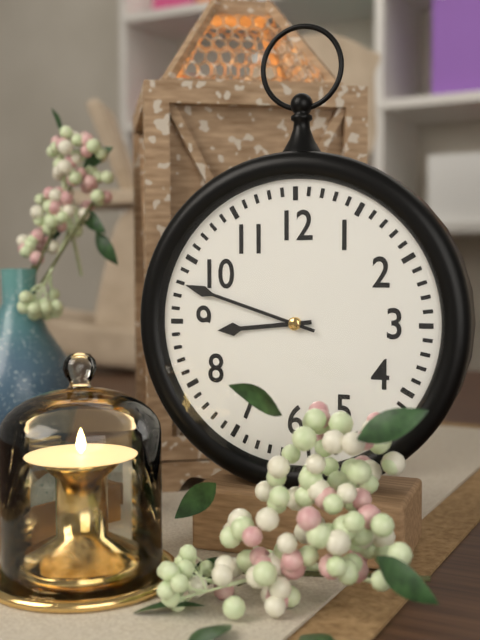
**8:48**
